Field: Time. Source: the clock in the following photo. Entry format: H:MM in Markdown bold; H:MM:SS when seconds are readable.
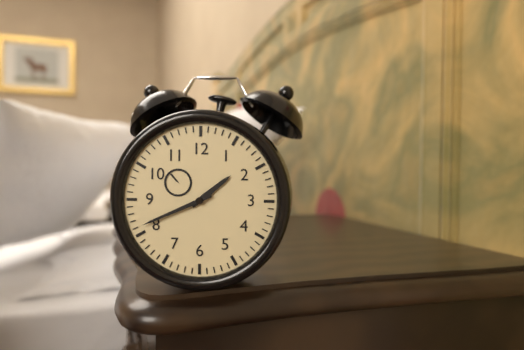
**1:41**
